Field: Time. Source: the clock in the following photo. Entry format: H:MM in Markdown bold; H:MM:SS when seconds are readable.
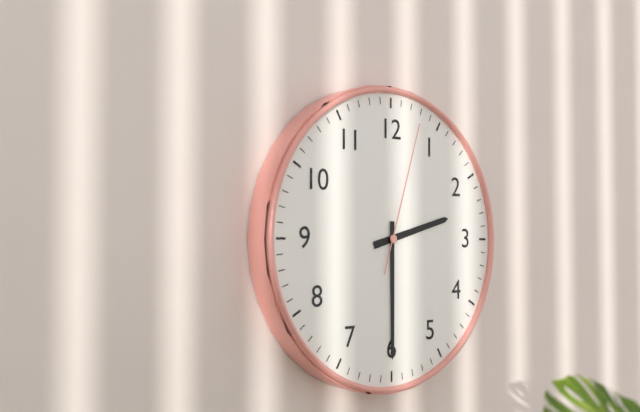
**2:30:03**
